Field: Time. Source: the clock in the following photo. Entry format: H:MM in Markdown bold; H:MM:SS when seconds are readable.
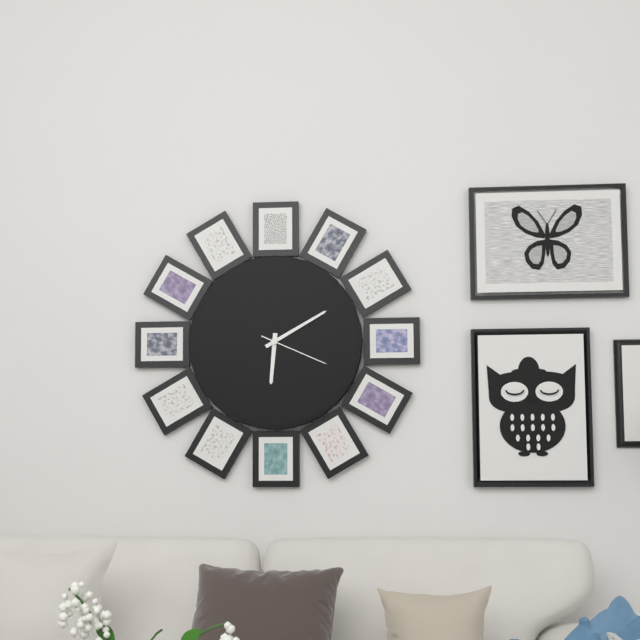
**6:10:19**
